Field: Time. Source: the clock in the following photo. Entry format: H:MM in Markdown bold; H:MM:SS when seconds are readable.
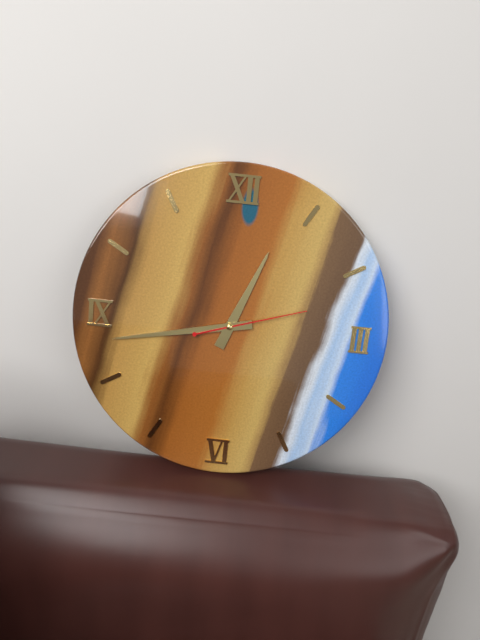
**12:43:12**
